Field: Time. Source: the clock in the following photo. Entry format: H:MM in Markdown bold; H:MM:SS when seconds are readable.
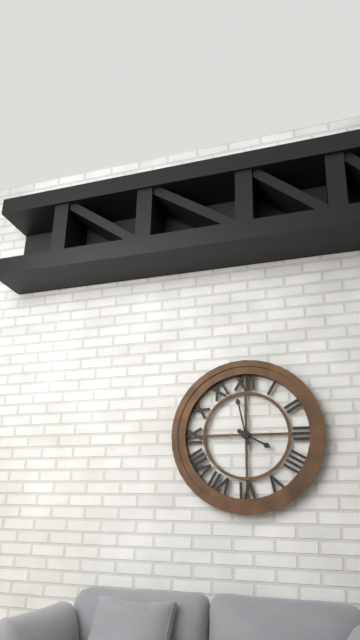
**3:58**
